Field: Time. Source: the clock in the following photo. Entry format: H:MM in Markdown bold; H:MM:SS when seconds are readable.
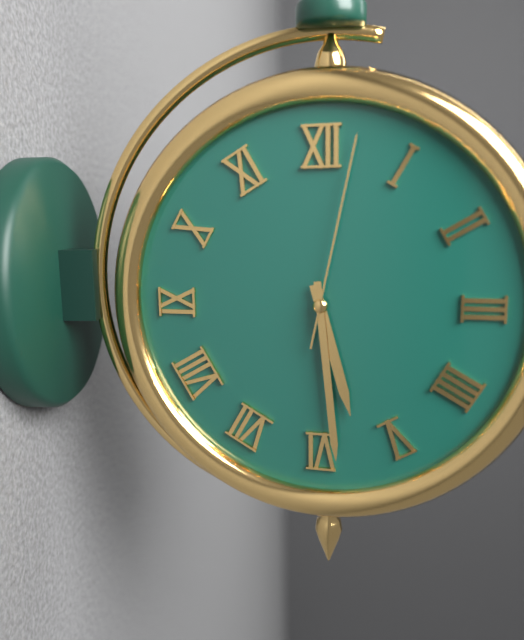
**5:29:02**
